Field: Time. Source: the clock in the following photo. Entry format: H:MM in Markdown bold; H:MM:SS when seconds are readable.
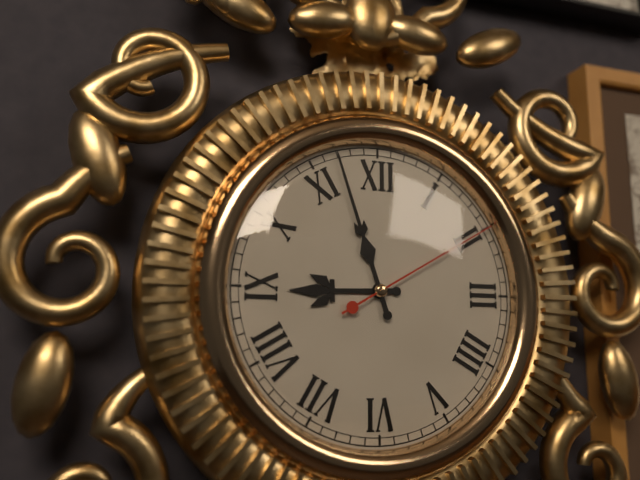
**8:57:10**
